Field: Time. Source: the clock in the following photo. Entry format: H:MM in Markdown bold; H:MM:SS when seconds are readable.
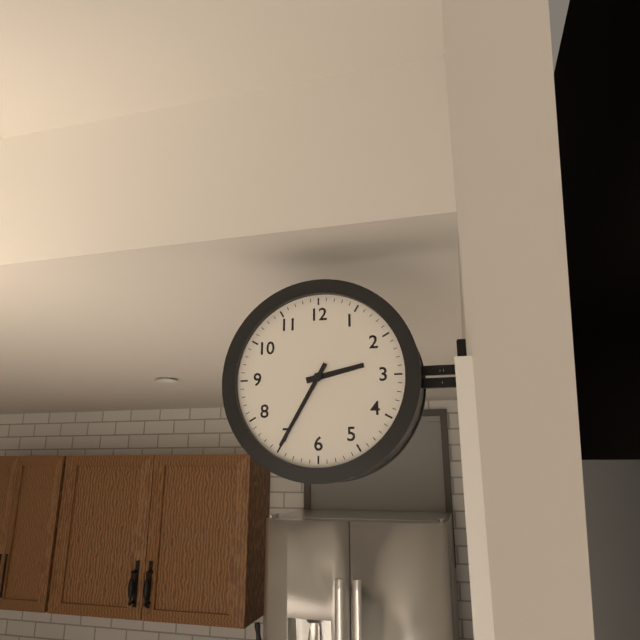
**2:35**
